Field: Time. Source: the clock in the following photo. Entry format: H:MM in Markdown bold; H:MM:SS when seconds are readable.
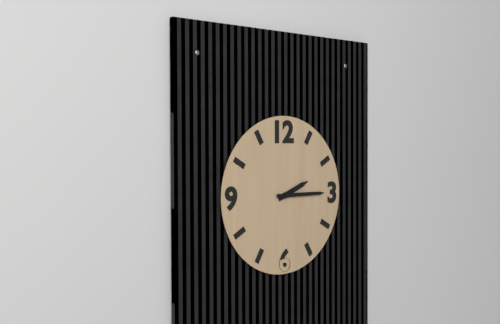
**2:15**
